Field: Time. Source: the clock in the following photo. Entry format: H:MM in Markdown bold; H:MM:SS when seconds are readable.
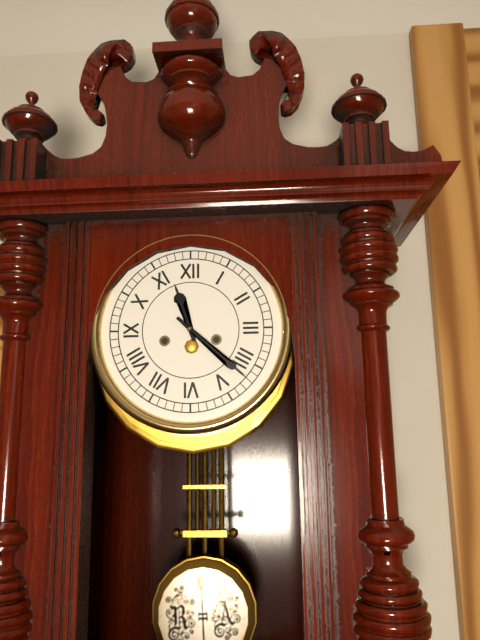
**11:22**
